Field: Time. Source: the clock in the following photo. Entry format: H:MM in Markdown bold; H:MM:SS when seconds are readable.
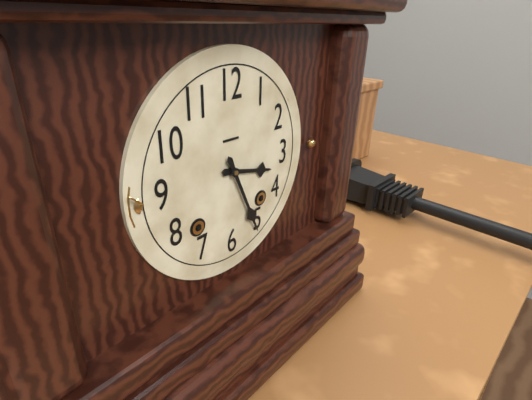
**3:26**
